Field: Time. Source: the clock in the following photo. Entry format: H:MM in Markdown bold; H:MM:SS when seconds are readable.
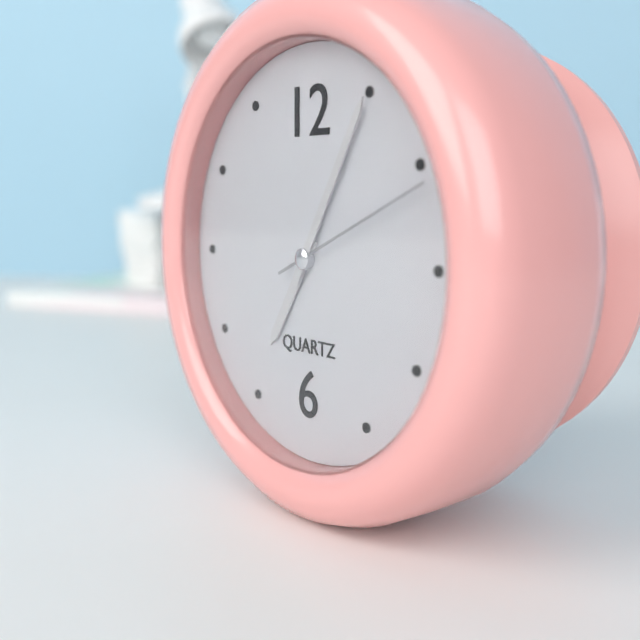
**7:05:11**
